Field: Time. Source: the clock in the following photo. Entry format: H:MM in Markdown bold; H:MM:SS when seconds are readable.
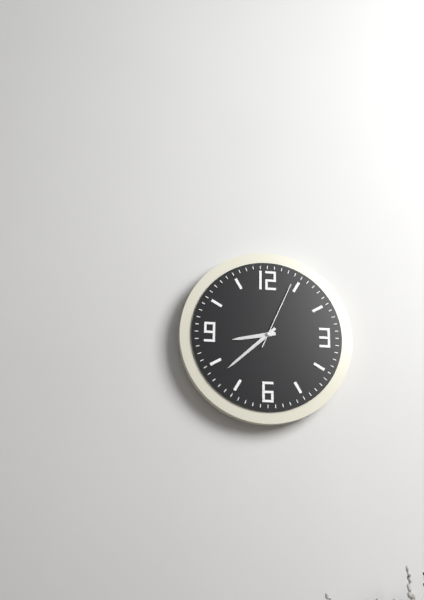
**8:38:04**
